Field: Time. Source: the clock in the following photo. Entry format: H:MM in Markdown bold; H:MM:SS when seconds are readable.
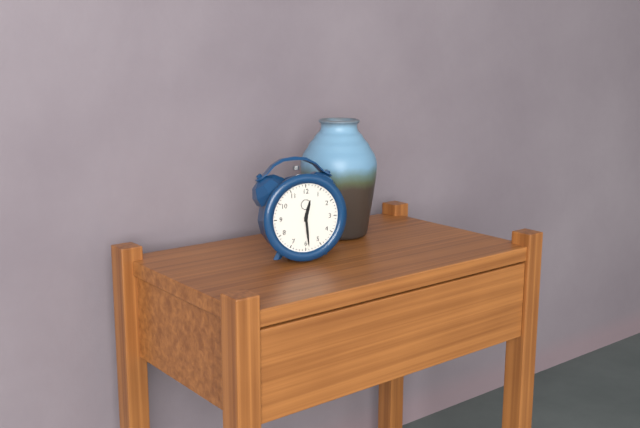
**12:29**
